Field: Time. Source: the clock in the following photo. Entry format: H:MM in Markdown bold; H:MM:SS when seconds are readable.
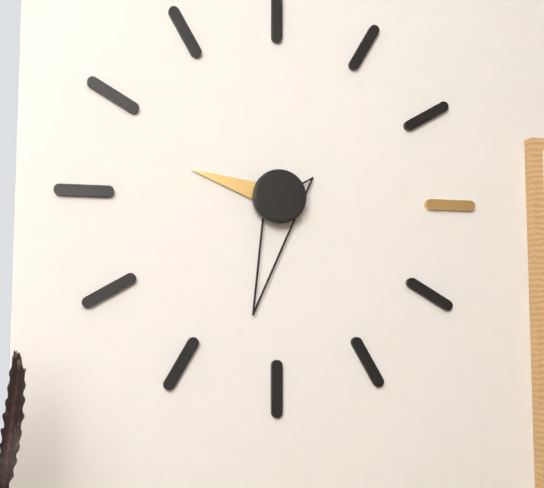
**9:32**
